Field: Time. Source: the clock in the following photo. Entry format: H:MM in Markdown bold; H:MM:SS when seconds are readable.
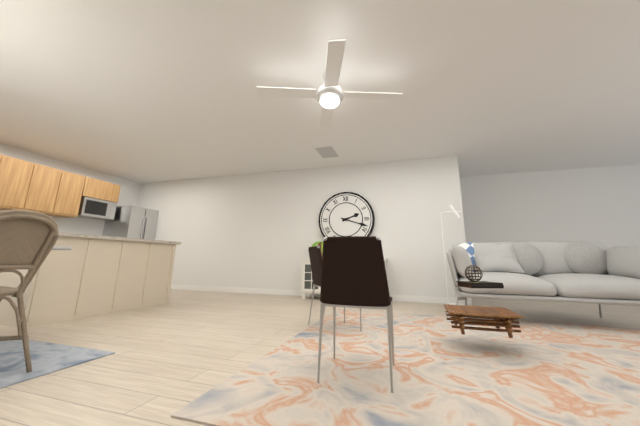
**2:18**
